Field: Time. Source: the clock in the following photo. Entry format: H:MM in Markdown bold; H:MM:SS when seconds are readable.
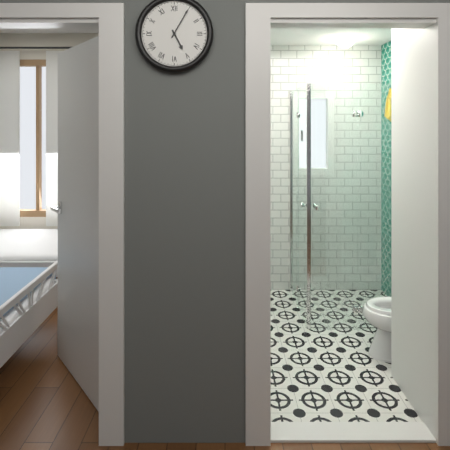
**5:05**
